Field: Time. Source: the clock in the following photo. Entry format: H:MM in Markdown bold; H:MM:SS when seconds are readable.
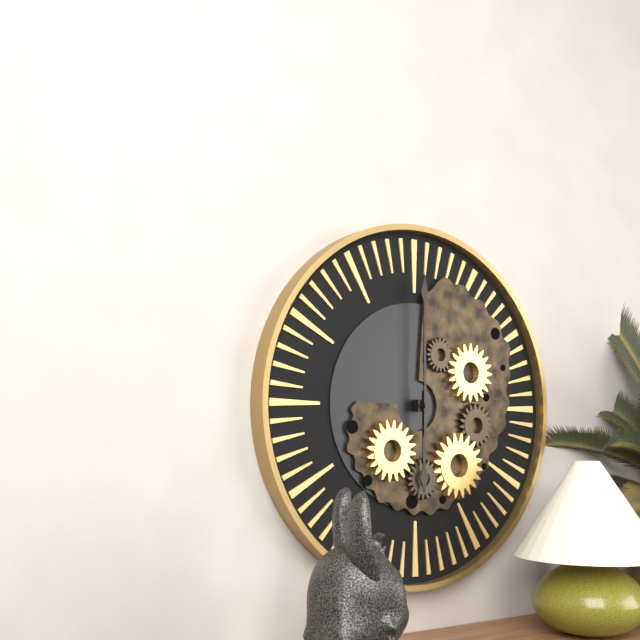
**6:00**
